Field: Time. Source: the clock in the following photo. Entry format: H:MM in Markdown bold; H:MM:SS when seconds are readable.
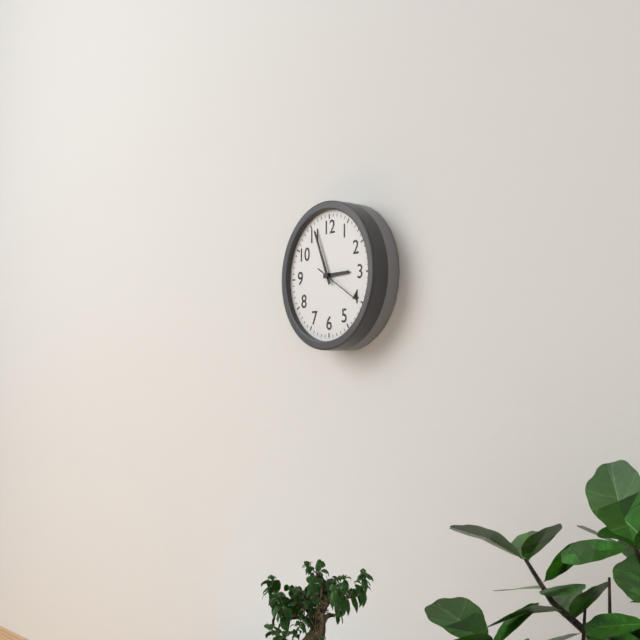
**2:56**
